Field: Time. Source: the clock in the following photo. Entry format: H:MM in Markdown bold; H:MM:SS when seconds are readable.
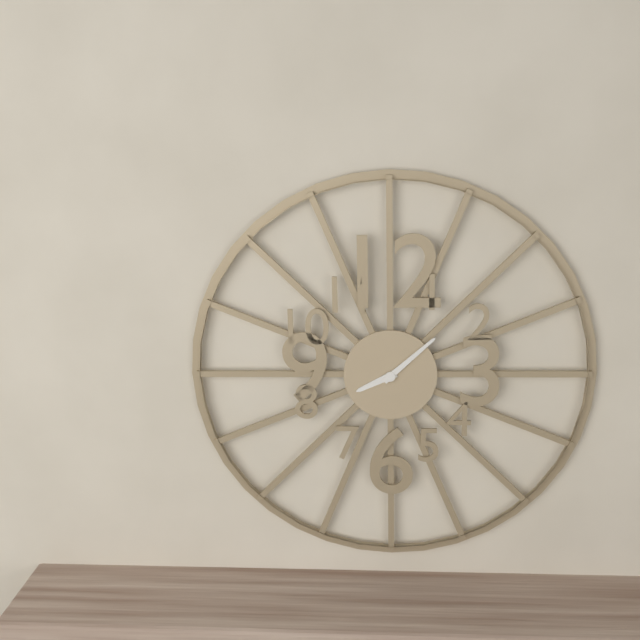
**8:08**
